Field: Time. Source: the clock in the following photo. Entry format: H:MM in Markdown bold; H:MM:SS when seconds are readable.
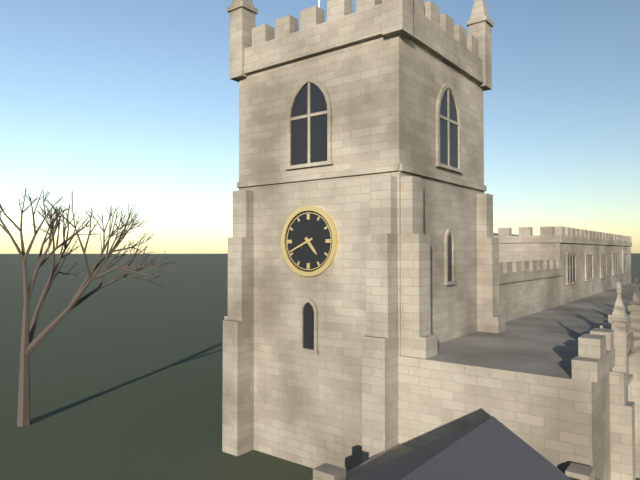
**4:41**
